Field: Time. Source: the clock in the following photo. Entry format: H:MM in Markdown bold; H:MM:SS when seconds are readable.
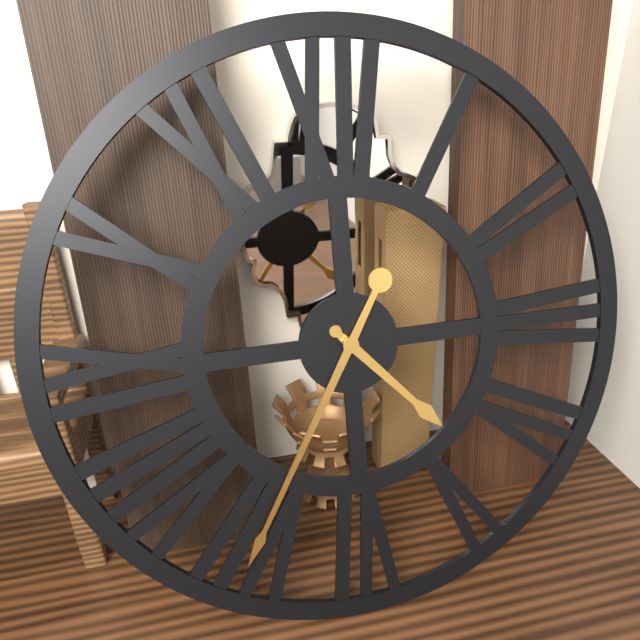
**4:35**
